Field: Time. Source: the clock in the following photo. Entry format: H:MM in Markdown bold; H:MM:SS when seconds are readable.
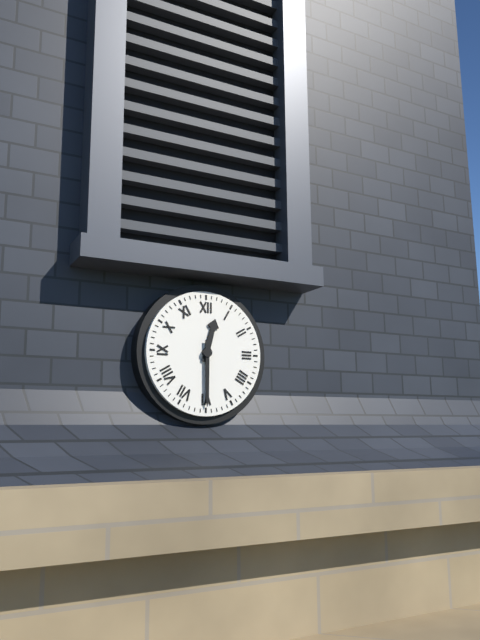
**12:30**
